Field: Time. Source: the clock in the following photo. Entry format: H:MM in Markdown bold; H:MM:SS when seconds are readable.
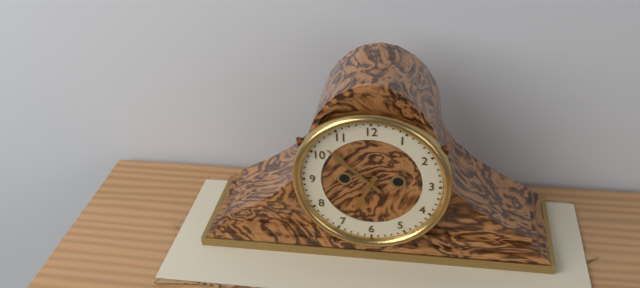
**6:52**
